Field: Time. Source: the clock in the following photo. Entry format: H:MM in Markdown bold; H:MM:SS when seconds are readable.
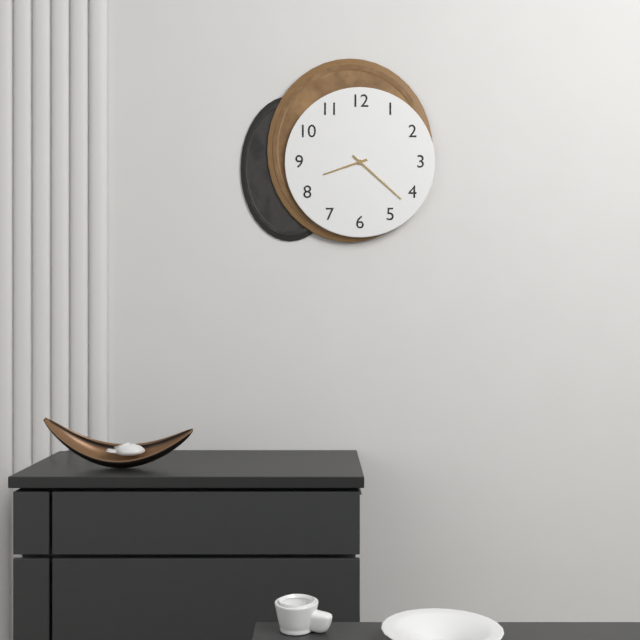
**8:22**
